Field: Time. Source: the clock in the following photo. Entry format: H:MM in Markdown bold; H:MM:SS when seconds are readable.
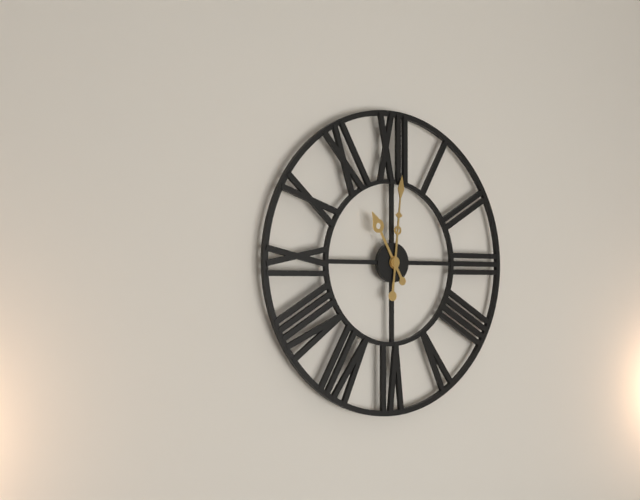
**11:01**
